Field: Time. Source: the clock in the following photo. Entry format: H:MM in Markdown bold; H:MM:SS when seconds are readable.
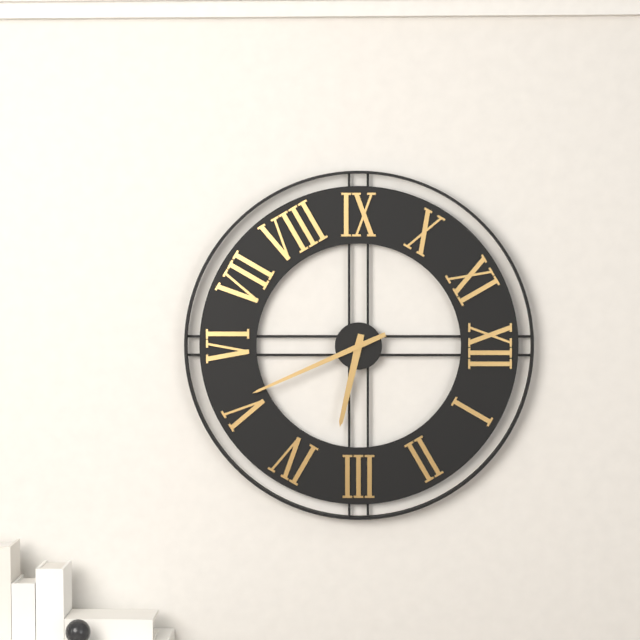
**3:26**
